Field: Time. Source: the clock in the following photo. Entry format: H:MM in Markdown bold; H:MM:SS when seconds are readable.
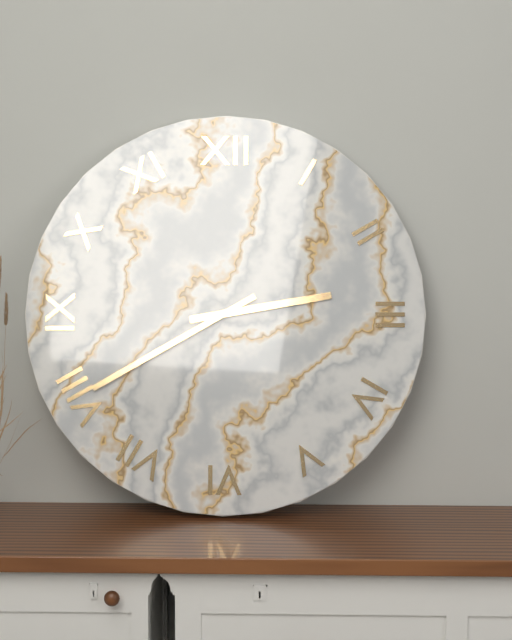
**2:40**
